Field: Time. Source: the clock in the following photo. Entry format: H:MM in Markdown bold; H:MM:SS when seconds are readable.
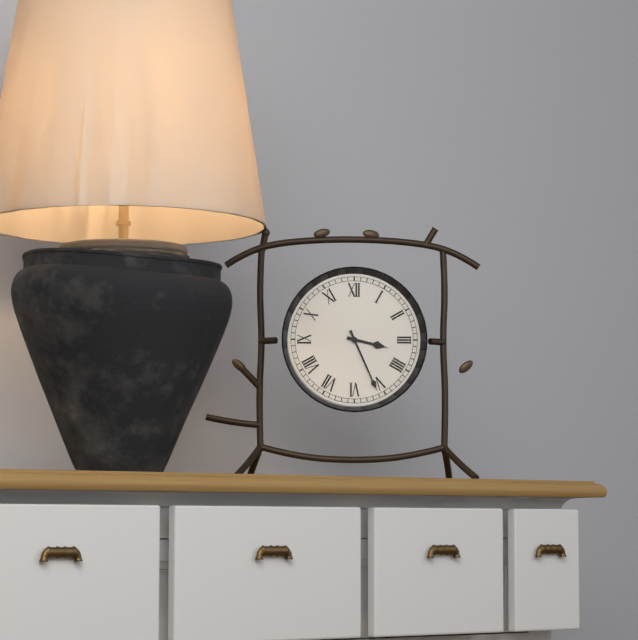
**3:26**
